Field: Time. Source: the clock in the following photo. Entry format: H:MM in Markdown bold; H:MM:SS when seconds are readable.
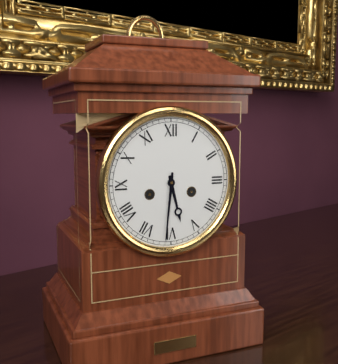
**5:31**
